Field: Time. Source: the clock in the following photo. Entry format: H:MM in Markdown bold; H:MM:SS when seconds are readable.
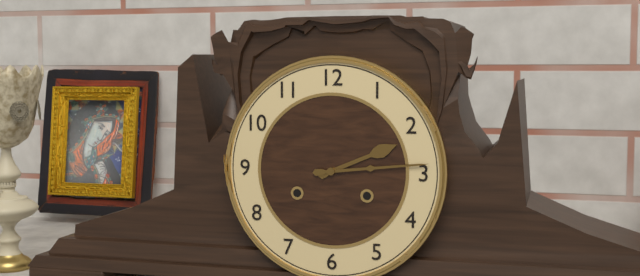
**2:14**
